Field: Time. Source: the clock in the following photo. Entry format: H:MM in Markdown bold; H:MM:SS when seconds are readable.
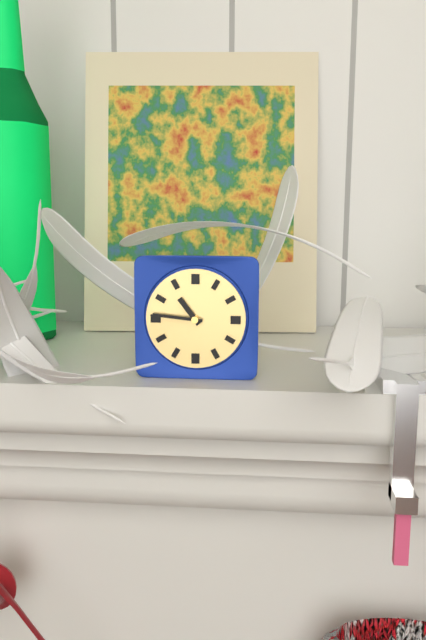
**10:46**
